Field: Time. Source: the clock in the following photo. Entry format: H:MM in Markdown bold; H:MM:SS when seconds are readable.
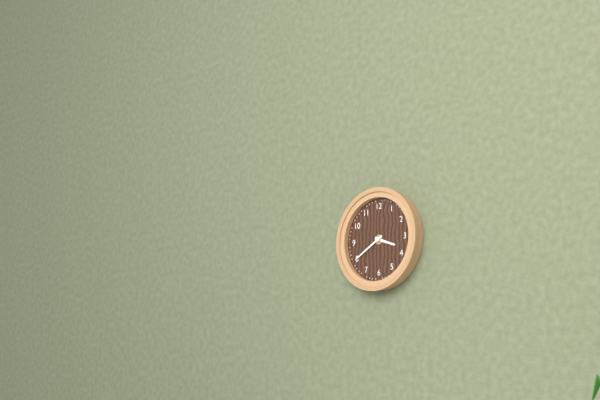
**3:40**
